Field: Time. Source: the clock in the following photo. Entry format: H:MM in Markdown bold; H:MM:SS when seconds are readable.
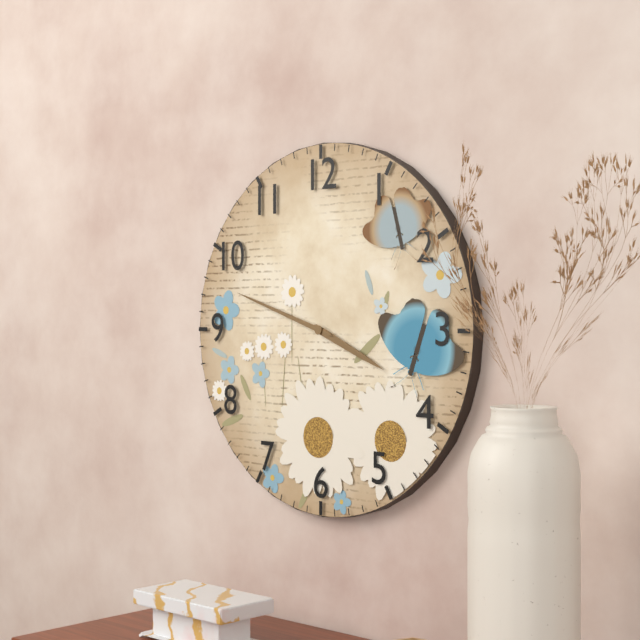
**3:48**
